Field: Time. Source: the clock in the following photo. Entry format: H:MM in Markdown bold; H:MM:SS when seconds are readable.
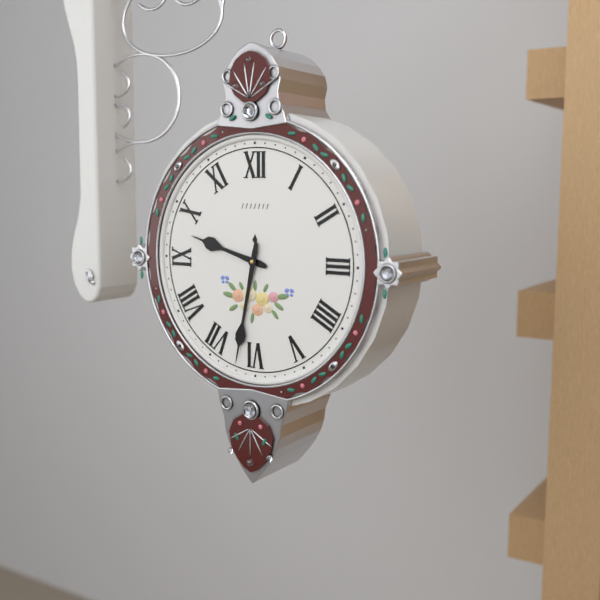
**9:32**
